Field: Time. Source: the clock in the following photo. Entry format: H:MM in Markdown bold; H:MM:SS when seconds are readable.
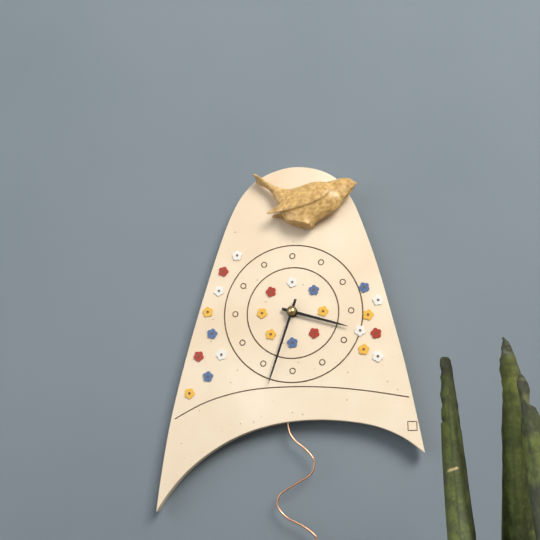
**3:33**
